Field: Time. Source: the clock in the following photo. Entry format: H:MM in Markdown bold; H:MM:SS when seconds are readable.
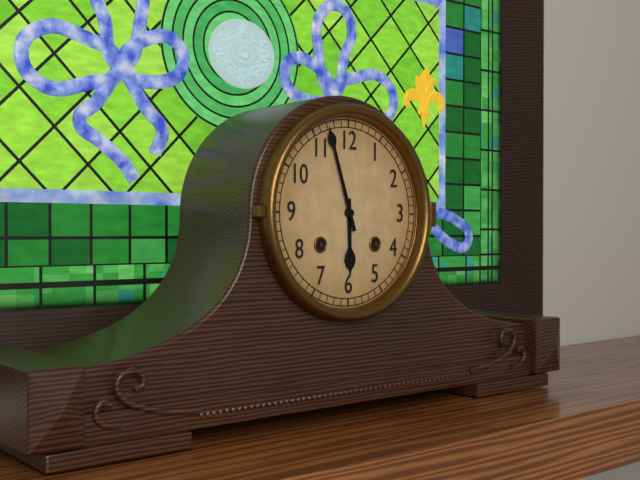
**5:57**
